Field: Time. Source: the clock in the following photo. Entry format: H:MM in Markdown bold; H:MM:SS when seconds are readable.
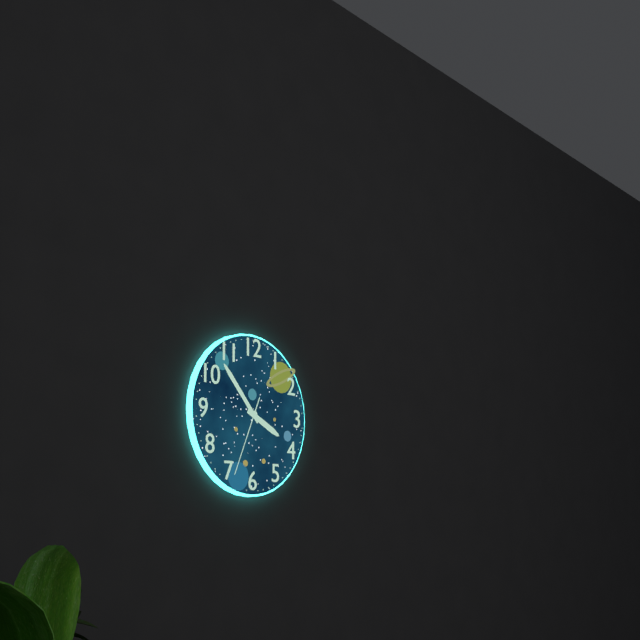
**3:53:34**
